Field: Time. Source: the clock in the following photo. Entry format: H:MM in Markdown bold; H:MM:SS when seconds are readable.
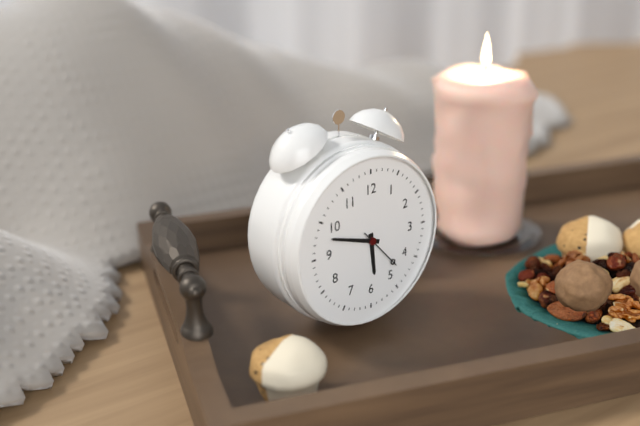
**5:48**
